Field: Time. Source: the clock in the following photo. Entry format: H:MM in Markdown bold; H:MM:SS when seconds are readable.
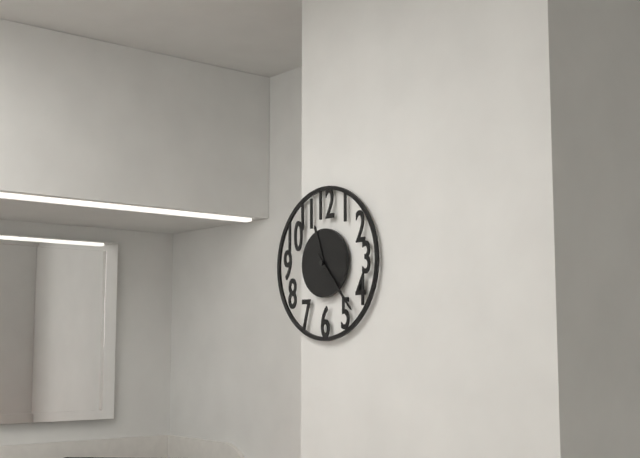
**11:23**
